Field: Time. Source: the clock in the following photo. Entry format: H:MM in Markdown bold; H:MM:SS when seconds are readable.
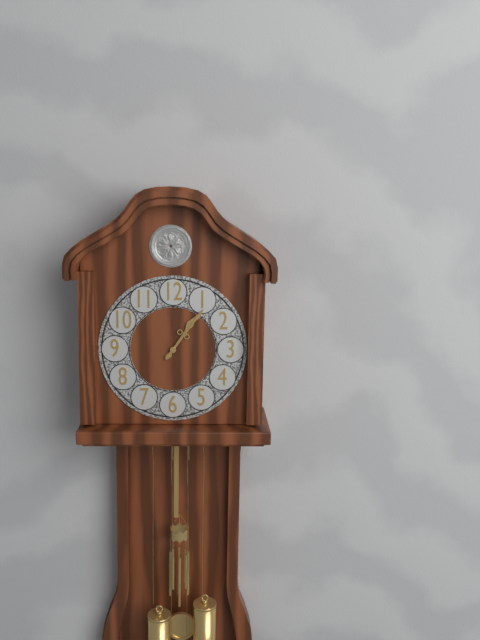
**1:06**
